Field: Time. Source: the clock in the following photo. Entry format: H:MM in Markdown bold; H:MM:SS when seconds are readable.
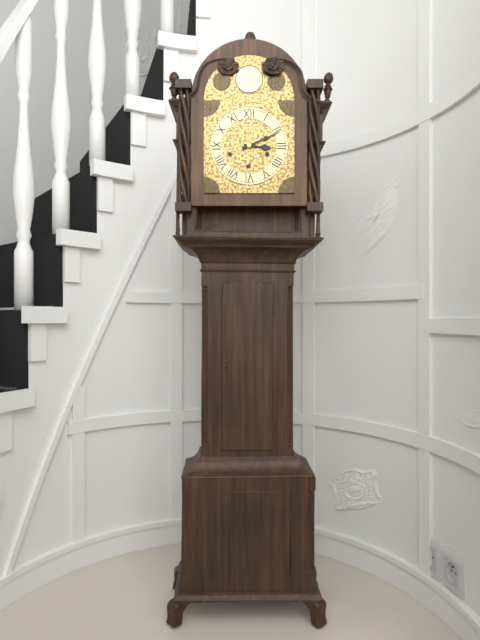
**3:11**
